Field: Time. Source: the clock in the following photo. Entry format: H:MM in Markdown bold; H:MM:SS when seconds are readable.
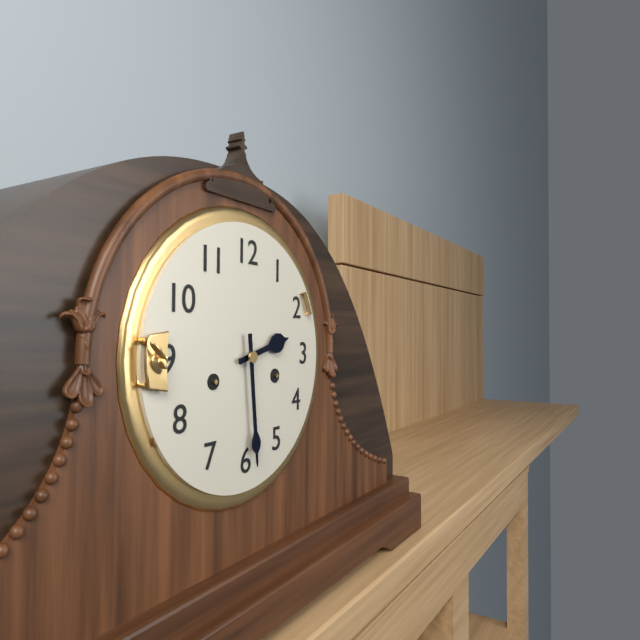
**2:29**
